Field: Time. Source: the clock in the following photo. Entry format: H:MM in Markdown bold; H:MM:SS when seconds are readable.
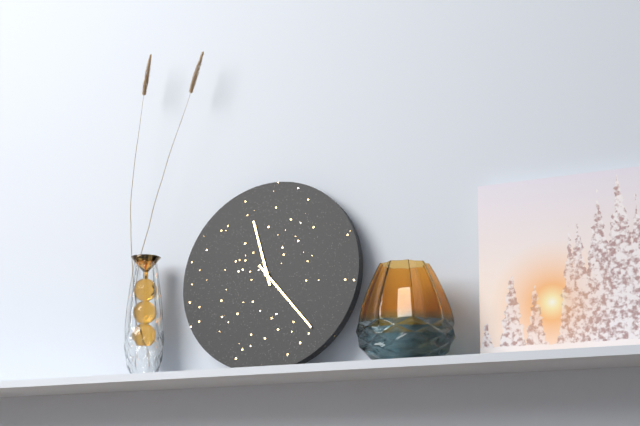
**11:23**
